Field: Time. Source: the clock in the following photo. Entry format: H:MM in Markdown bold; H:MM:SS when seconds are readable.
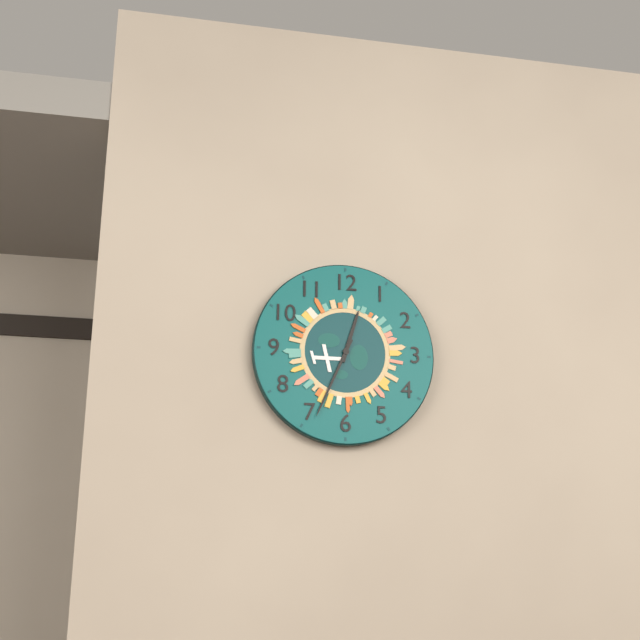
**12:34**
